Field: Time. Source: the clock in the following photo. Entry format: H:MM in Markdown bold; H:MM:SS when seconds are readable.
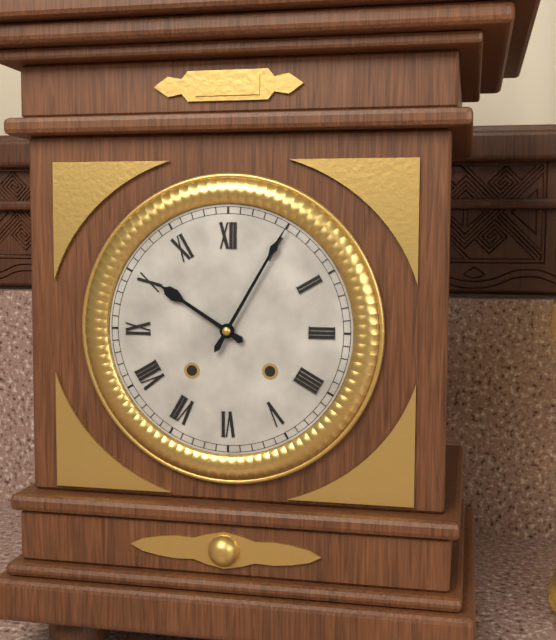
**10:05**
